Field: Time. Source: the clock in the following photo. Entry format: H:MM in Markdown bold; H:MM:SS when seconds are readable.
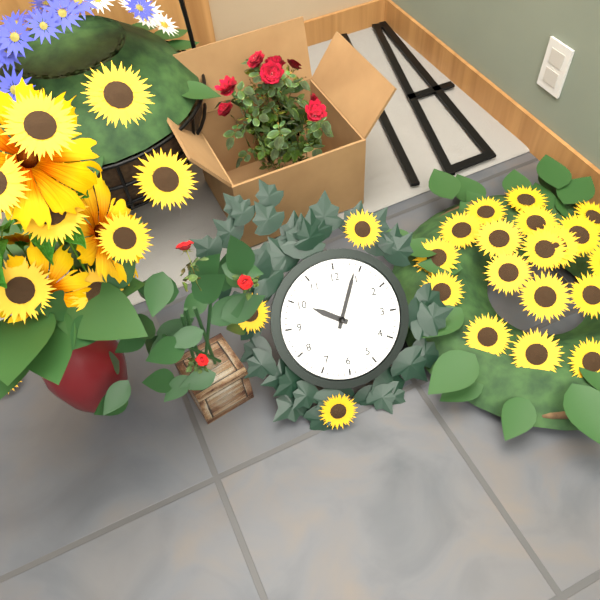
**10:04**
